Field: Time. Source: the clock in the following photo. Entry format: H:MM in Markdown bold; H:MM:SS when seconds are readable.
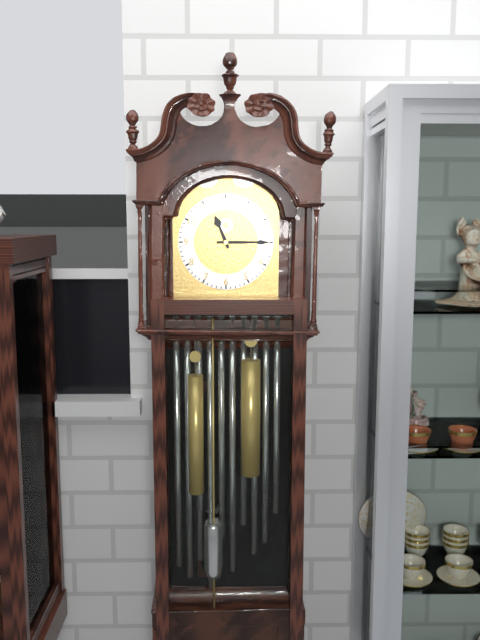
**11:15**
